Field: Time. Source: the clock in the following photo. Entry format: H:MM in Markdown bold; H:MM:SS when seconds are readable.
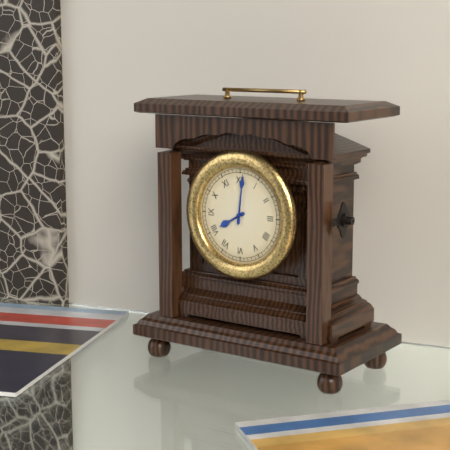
**8:01**
